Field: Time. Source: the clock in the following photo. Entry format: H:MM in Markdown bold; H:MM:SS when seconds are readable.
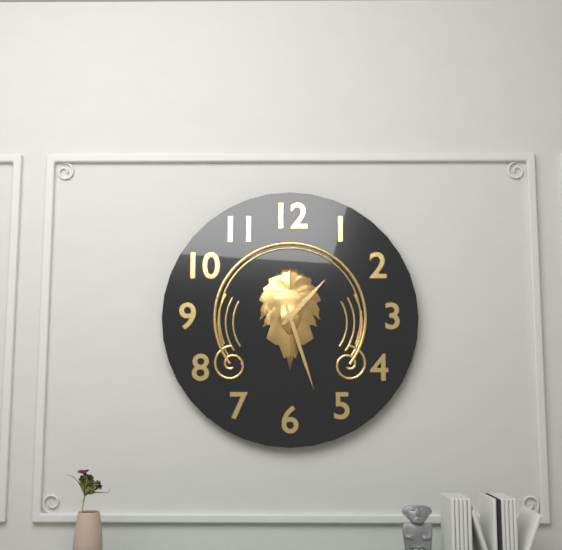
**1:27**
